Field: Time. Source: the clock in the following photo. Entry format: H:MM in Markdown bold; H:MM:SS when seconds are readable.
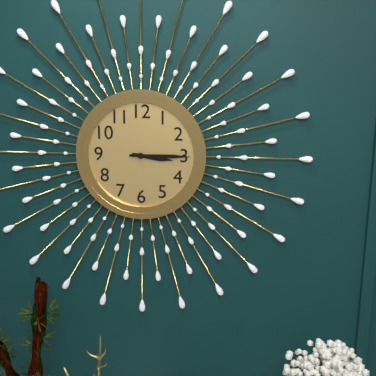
**3:15**
